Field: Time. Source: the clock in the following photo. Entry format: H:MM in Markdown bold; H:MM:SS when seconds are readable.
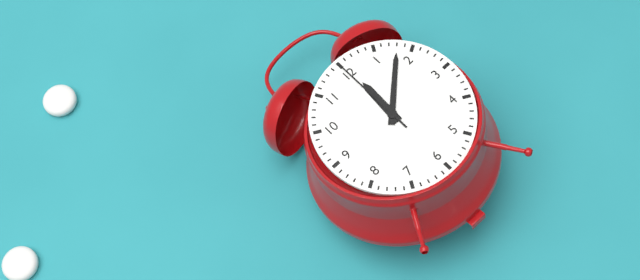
**12:08:00**
